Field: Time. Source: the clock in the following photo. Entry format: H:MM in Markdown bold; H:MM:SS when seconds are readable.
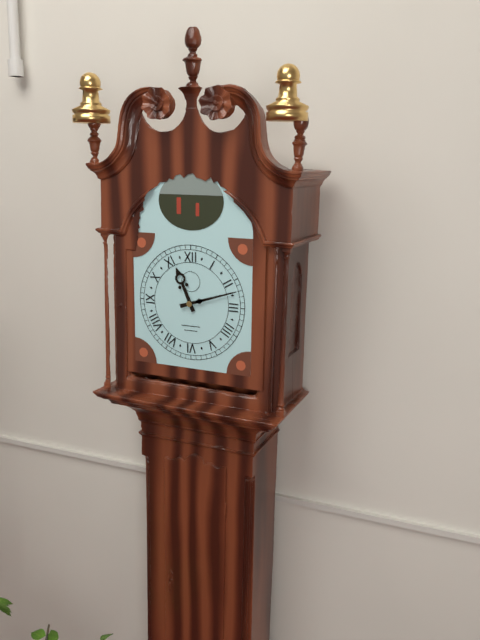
**11:12**
